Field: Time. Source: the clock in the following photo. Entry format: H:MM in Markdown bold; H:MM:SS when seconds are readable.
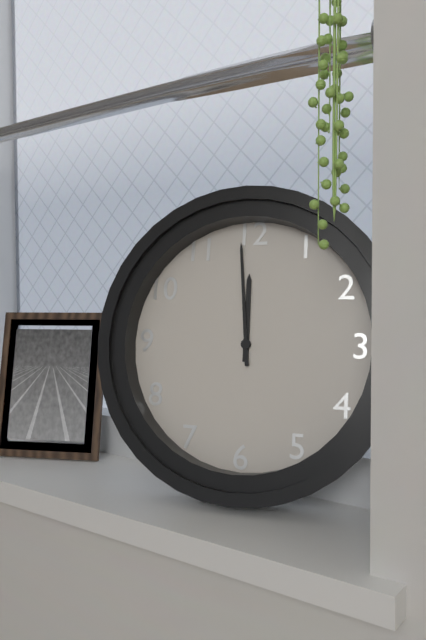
**11:59**
